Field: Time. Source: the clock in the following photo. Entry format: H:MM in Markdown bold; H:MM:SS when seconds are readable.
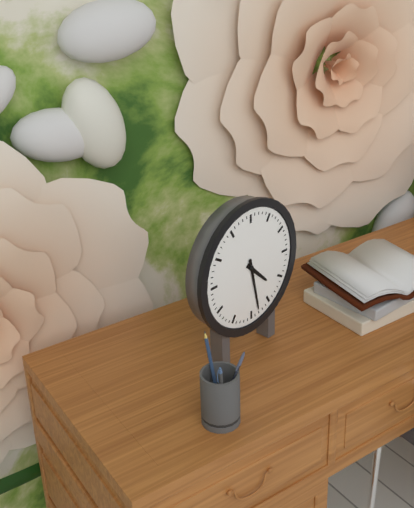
**4:28**
